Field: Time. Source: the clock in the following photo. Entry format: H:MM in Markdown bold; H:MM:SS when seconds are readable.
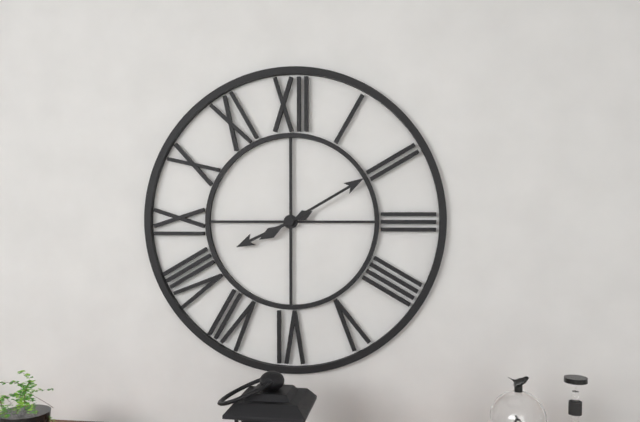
**8:10**
